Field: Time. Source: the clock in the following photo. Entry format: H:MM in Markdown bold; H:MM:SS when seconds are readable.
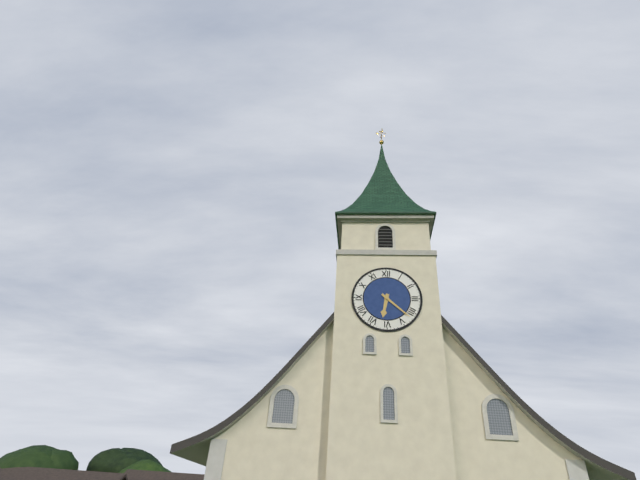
**6:22**
